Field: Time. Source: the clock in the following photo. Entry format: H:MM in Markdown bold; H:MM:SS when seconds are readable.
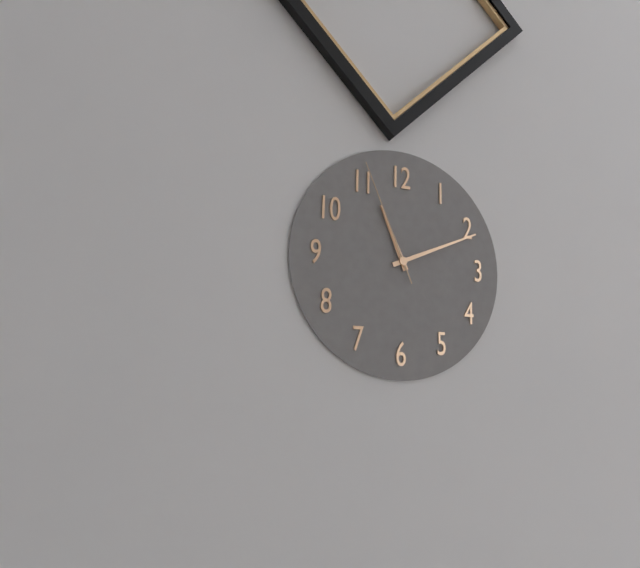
**11:11:56**
